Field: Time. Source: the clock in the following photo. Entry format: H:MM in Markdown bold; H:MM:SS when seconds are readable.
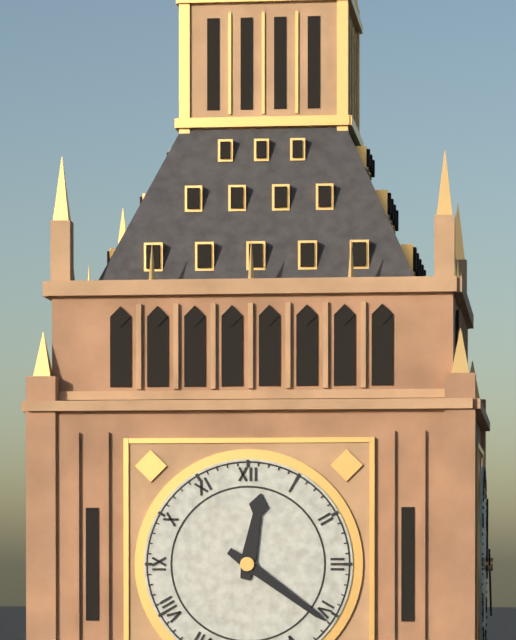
**12:21**
